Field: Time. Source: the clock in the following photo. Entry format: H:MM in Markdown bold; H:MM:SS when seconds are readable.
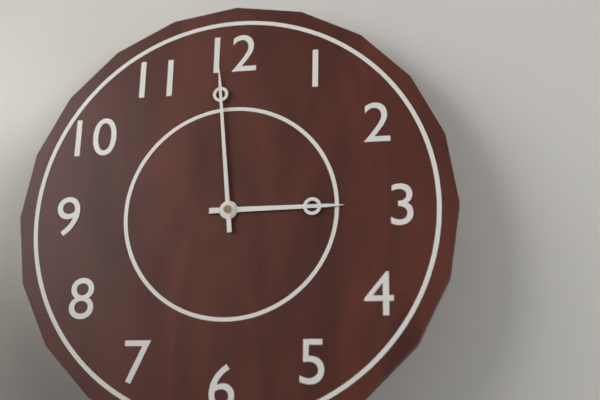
**2:59**
